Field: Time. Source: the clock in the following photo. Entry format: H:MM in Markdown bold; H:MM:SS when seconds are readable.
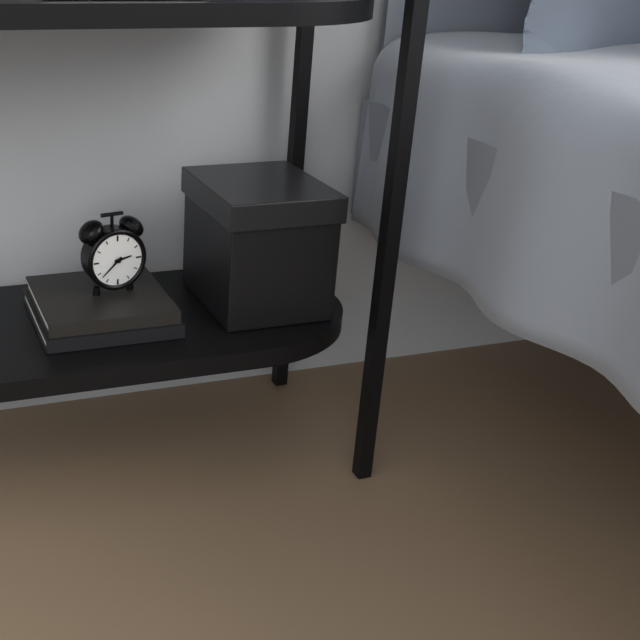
**2:38**
